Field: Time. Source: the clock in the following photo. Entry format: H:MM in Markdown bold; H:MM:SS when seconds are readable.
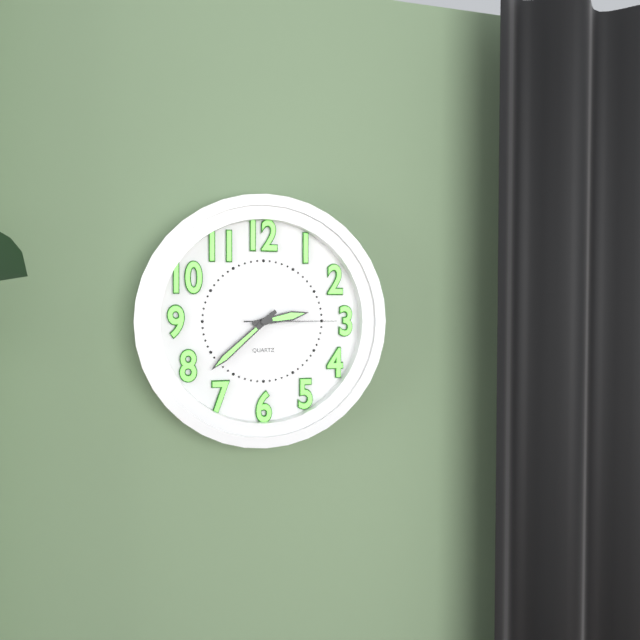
**2:38:15**
